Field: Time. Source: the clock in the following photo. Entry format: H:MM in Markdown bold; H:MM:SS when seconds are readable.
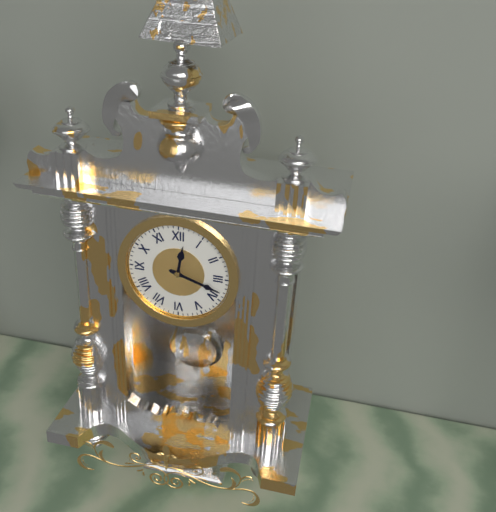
**12:18**
